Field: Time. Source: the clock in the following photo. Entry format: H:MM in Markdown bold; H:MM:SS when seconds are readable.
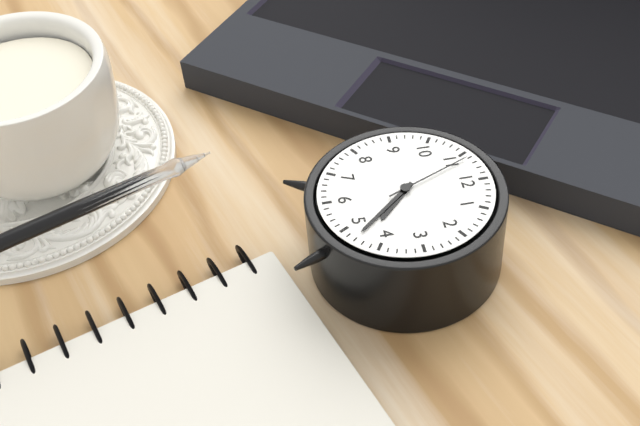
**4:23:56**
